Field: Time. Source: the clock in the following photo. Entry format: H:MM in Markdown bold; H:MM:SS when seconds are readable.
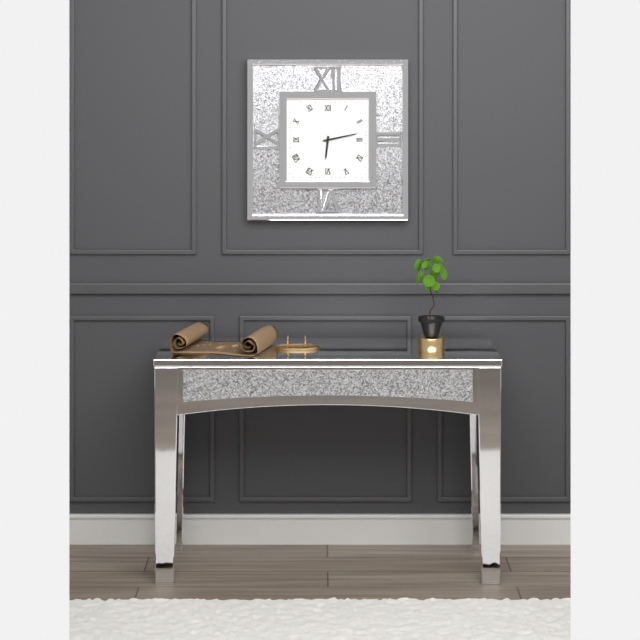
**6:13**
